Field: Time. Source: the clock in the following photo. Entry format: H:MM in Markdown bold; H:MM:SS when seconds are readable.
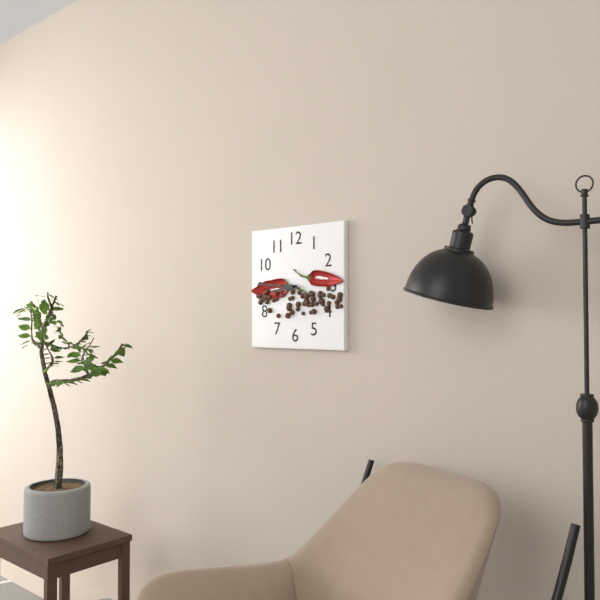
**8:46**
